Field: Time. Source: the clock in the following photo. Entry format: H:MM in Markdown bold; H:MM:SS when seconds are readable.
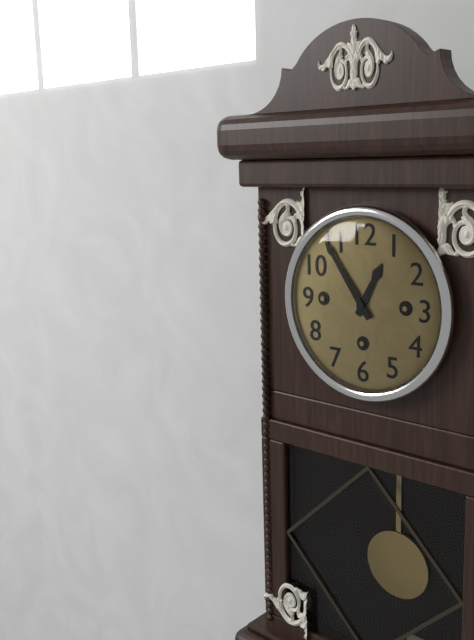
**12:54**
